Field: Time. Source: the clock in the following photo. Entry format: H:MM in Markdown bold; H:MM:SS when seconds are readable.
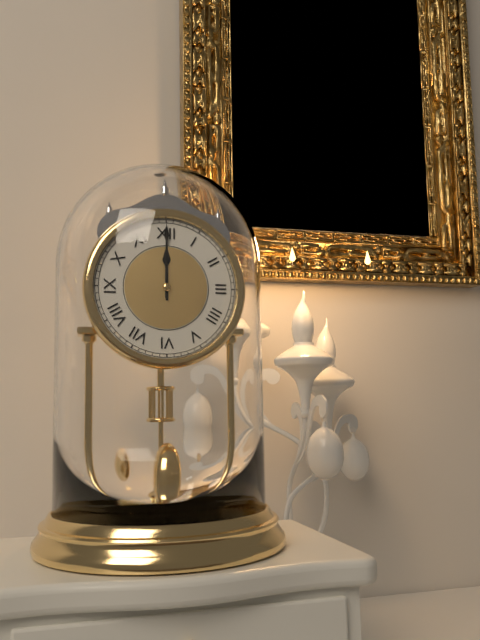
**12:00**
